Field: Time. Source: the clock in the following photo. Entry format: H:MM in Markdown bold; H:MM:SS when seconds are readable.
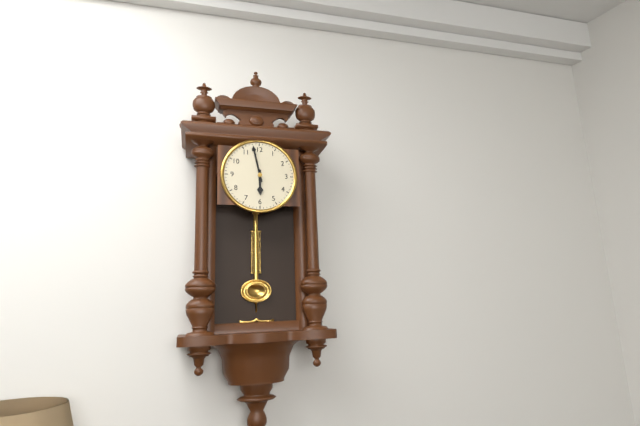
**5:58**
